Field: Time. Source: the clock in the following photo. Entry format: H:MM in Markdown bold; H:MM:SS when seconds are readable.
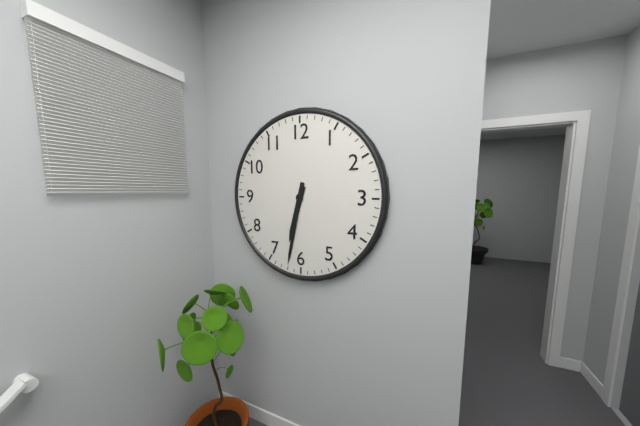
**6:32**
